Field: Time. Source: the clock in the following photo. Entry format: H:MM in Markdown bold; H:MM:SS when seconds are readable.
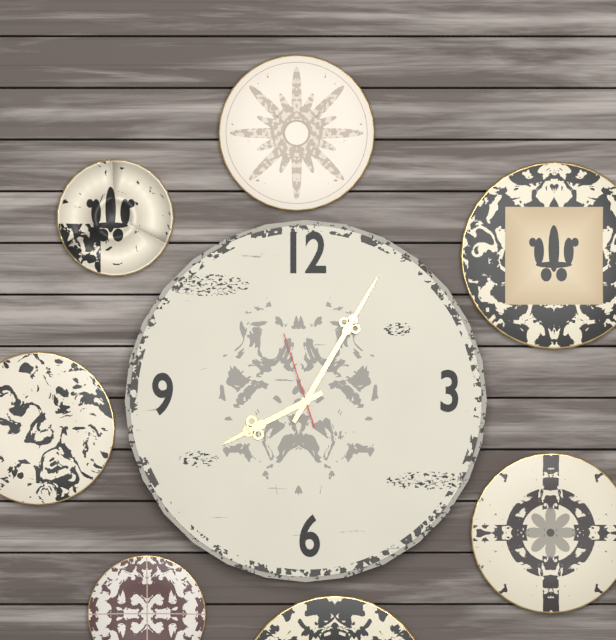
**8:05:57**
